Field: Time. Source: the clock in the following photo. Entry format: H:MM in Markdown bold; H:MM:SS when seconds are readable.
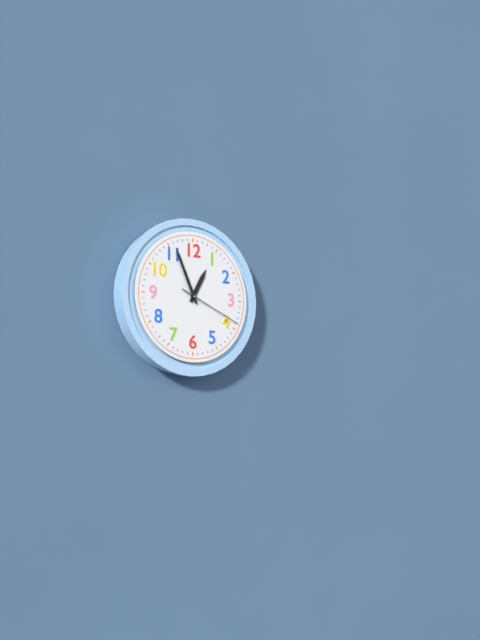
**12:56:19**
